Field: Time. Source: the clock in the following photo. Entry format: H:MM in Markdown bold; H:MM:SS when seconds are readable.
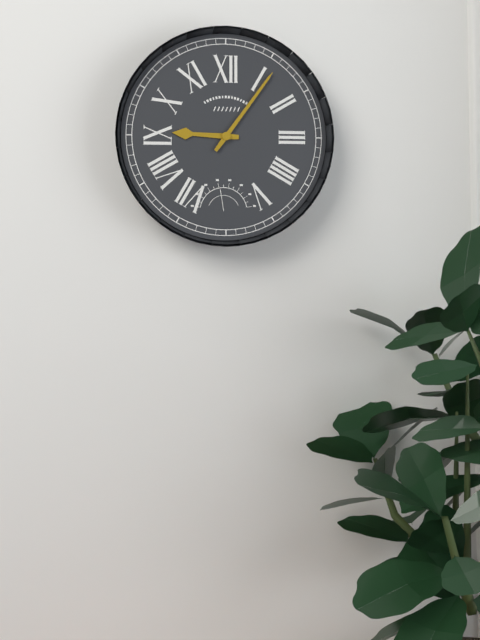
**9:06**
